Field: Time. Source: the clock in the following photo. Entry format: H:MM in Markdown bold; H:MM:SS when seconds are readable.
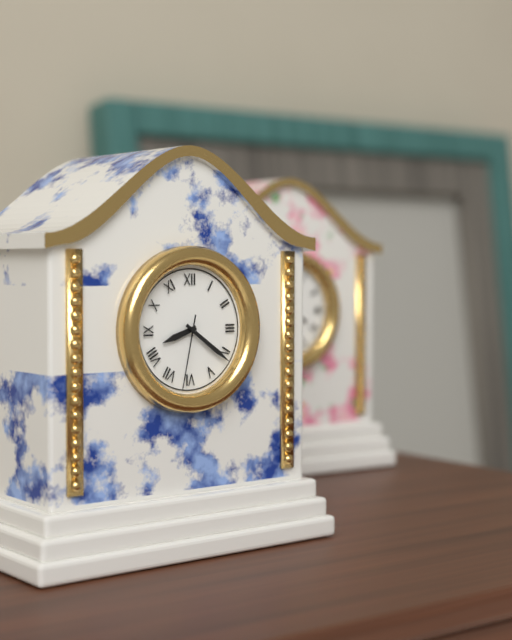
**8:21:32**
